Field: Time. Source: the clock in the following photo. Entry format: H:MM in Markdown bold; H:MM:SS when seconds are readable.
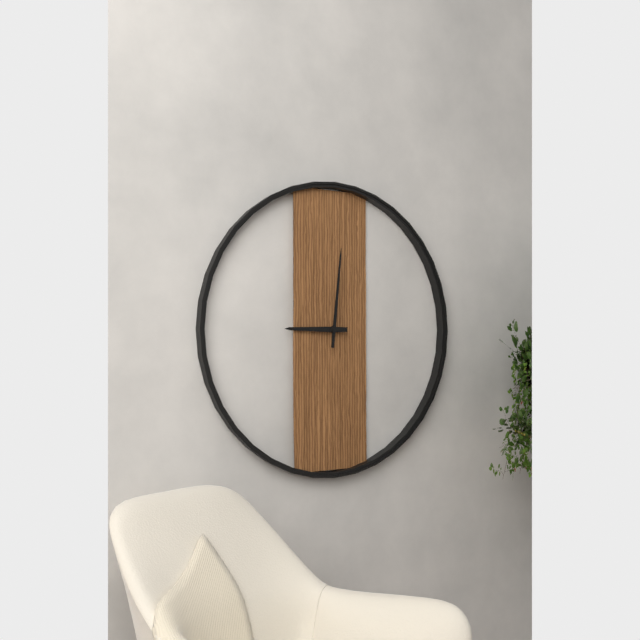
**9:01**
